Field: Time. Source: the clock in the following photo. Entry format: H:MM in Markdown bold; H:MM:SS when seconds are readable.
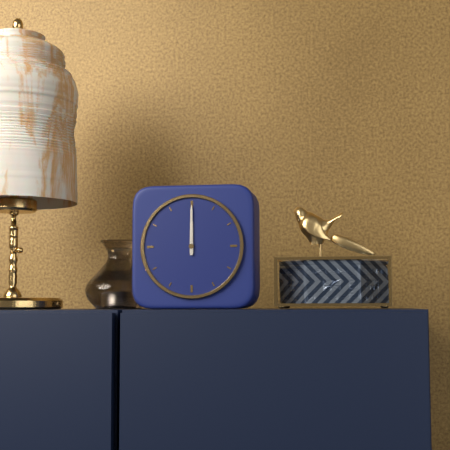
**12:00**
